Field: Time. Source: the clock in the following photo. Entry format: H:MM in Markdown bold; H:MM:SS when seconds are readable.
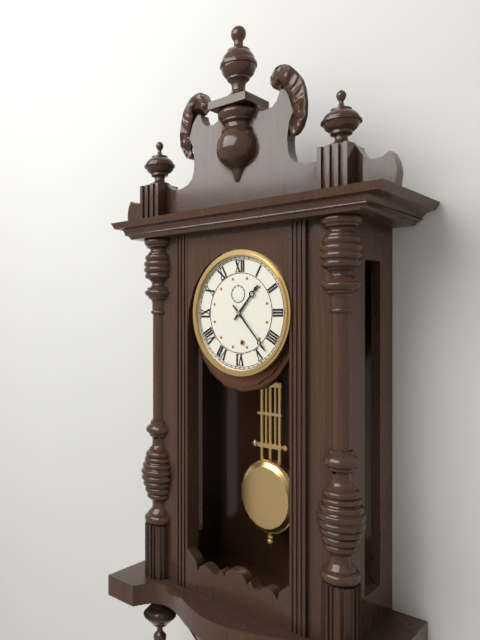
**1:23**
